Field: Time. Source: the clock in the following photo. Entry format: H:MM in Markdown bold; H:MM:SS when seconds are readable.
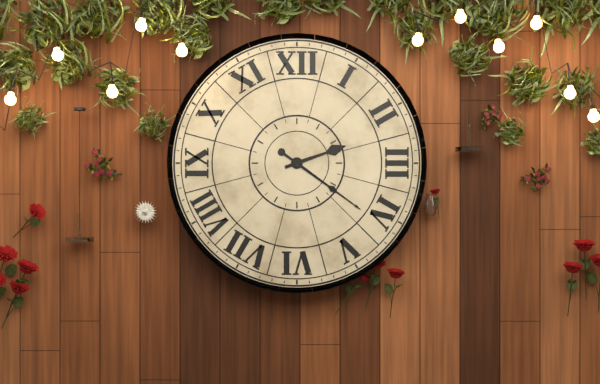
**2:21**
